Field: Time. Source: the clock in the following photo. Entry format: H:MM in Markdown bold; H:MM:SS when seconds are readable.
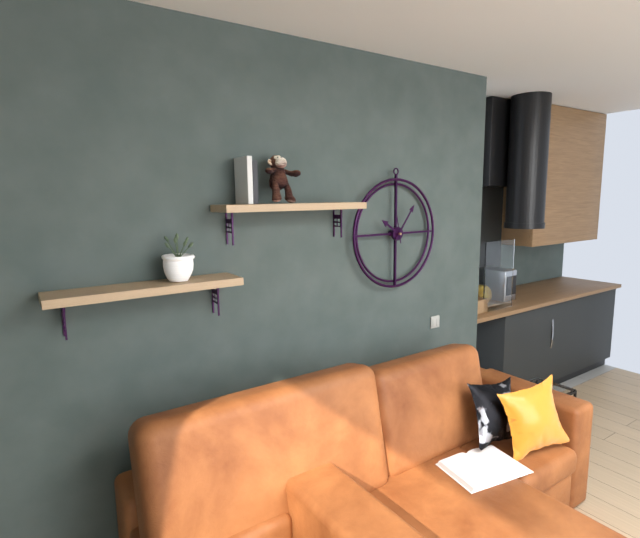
**10:06**
